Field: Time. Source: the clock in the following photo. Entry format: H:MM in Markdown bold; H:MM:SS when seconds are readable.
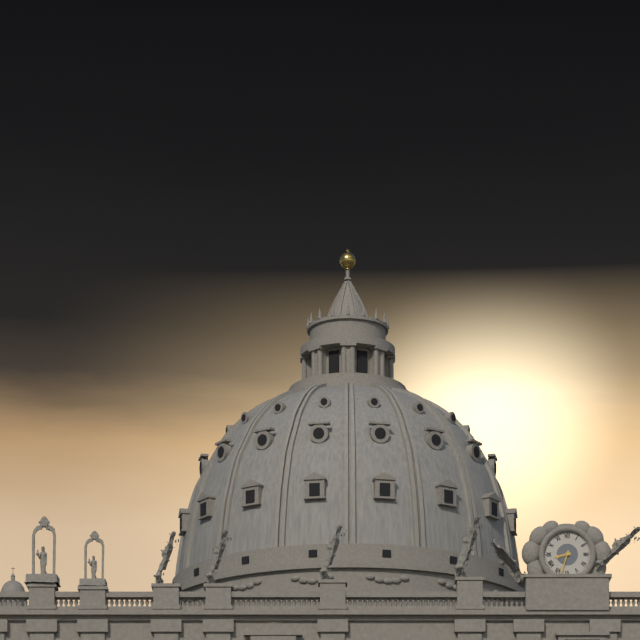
**8:33**
